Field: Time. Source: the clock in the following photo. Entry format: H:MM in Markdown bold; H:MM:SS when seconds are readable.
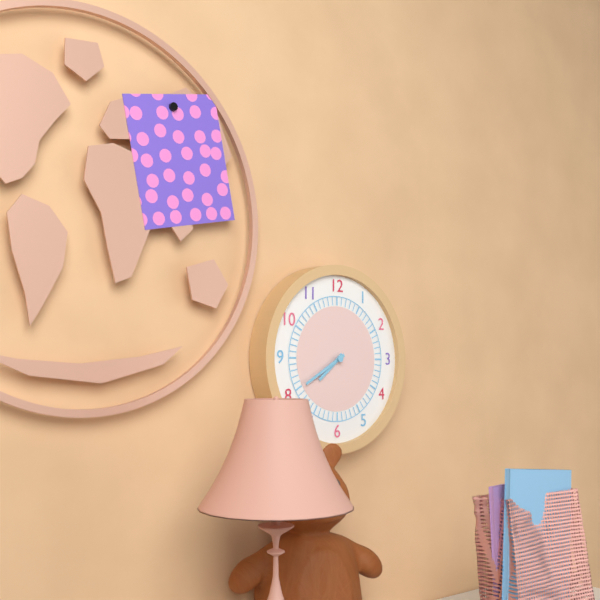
**7:40**
